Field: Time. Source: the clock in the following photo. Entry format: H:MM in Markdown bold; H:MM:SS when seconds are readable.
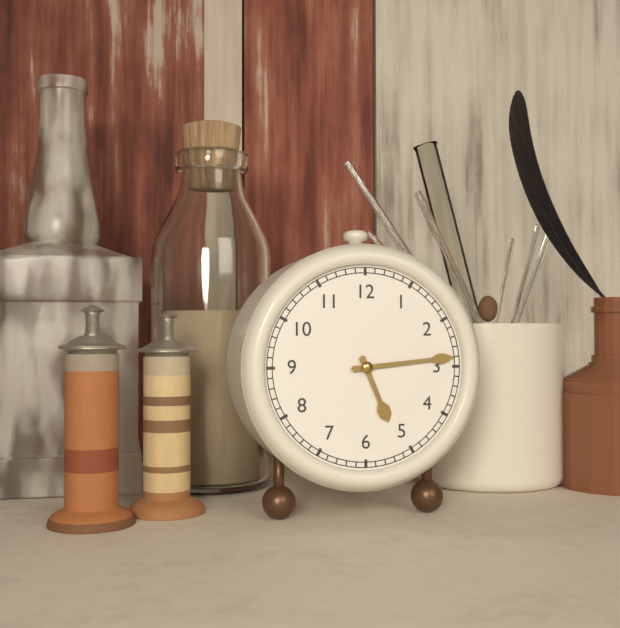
**5:14**
